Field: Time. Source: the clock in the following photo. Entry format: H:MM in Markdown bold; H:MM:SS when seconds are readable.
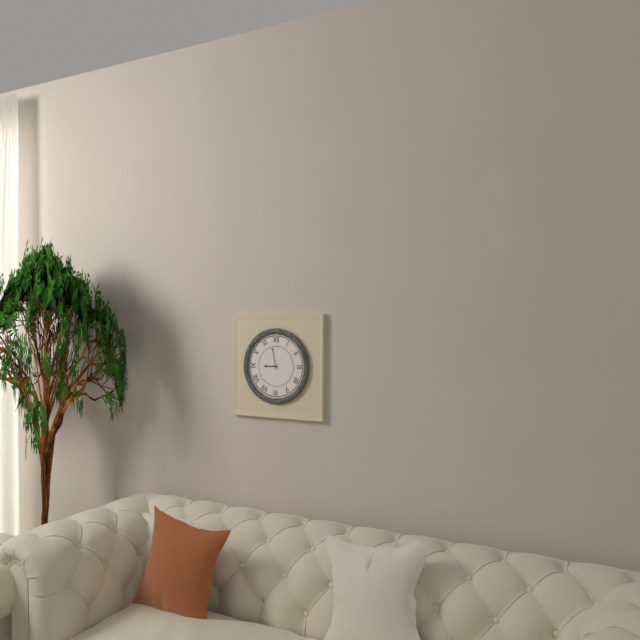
**8:58**
